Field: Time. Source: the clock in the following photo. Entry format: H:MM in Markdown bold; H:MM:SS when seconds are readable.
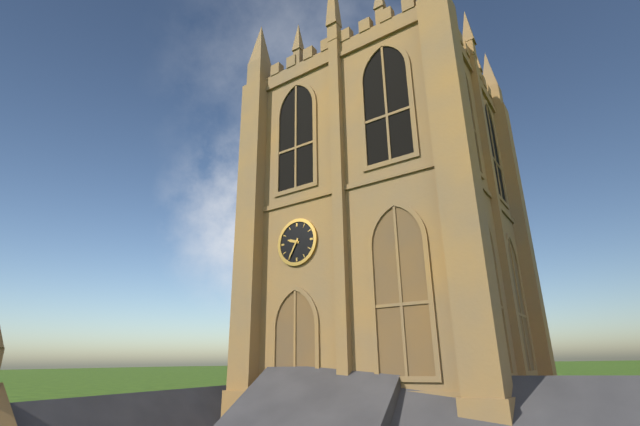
**9:35**
